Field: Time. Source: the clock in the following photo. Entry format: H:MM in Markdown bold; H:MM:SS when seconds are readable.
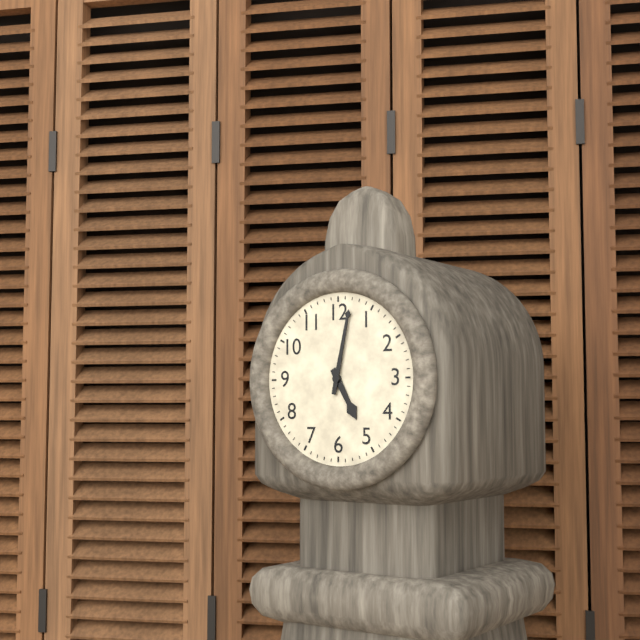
**5:02**
